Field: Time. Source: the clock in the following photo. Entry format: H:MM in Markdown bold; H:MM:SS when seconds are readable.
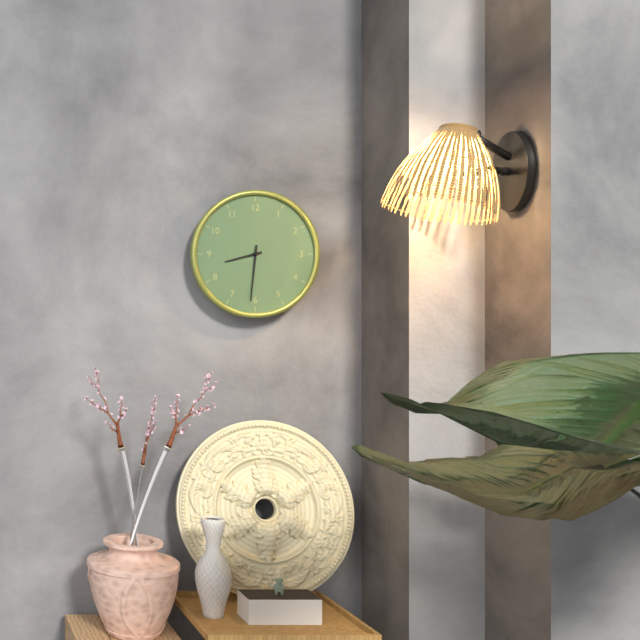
**8:31**
